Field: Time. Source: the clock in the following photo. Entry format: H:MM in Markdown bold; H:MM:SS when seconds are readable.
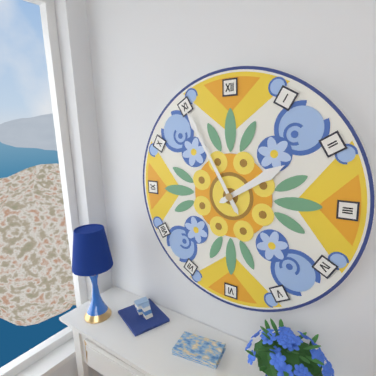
**1:55**
